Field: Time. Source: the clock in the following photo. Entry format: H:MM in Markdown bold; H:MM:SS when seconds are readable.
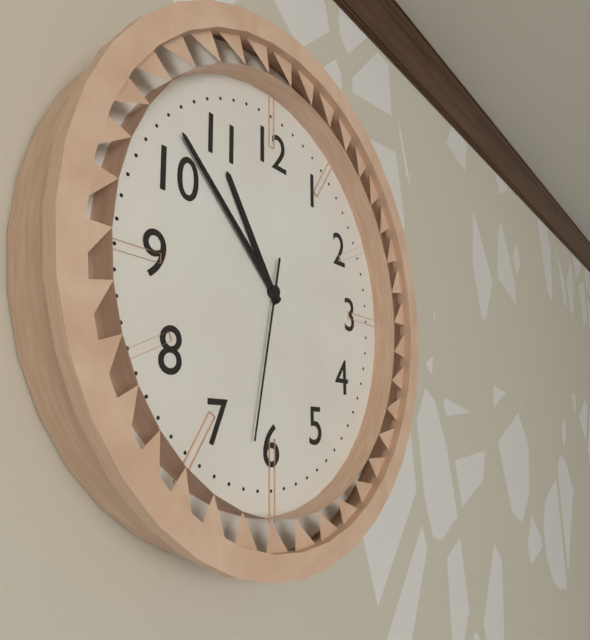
**10:52:32**
